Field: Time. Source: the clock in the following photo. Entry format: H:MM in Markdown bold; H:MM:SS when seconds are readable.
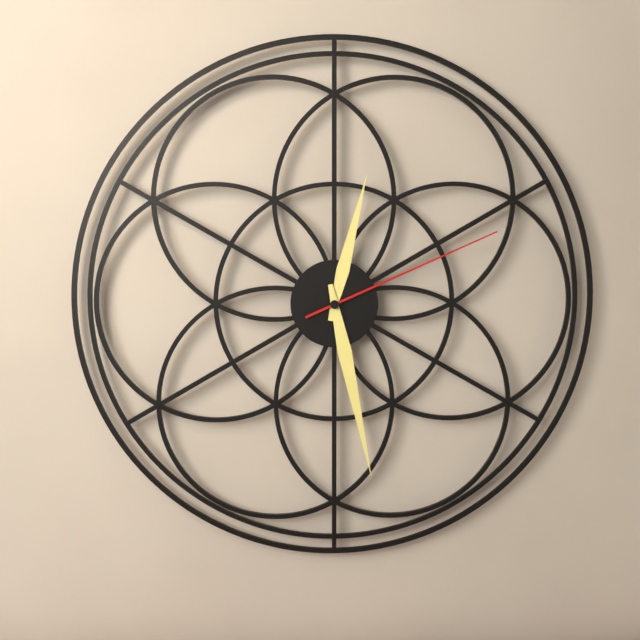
**12:28:11**
